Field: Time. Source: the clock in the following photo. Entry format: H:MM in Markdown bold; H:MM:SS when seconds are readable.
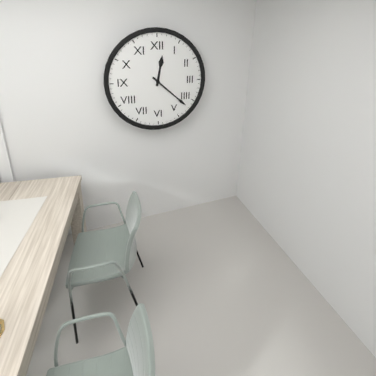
**12:22**
